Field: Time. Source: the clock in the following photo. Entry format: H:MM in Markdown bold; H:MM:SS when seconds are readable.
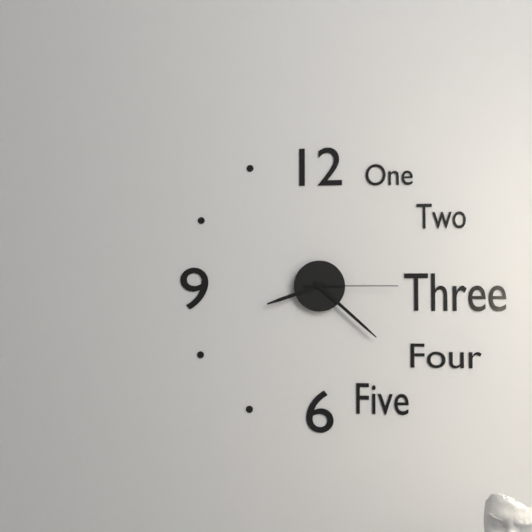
**8:22:15**
